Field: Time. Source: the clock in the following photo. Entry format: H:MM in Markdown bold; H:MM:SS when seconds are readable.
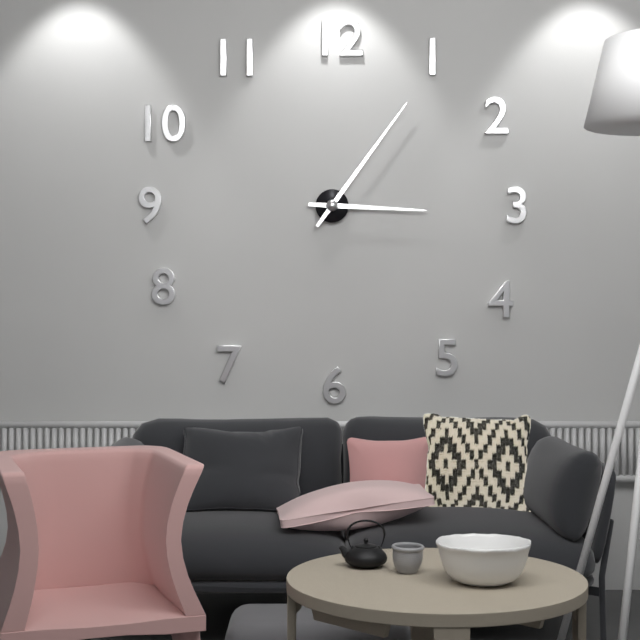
**3:06**
